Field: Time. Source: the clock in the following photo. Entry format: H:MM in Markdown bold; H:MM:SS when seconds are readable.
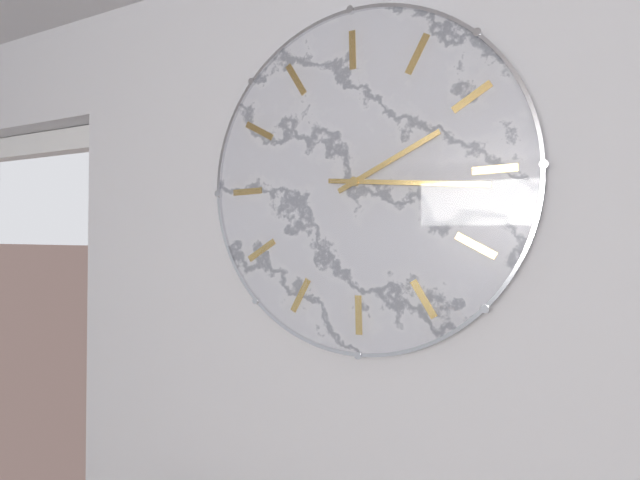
**1:11**
